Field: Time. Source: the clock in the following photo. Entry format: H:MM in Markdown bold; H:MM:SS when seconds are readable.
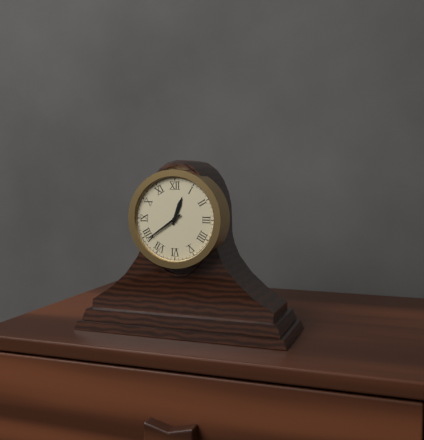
**12:39**
